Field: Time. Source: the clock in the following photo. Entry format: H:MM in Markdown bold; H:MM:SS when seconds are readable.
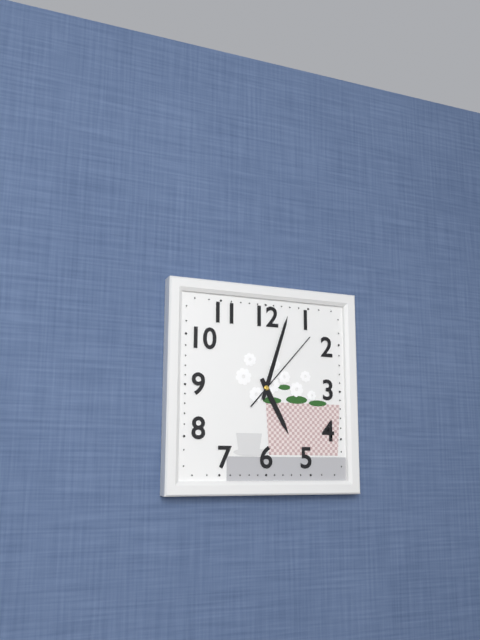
**5:03:07**
